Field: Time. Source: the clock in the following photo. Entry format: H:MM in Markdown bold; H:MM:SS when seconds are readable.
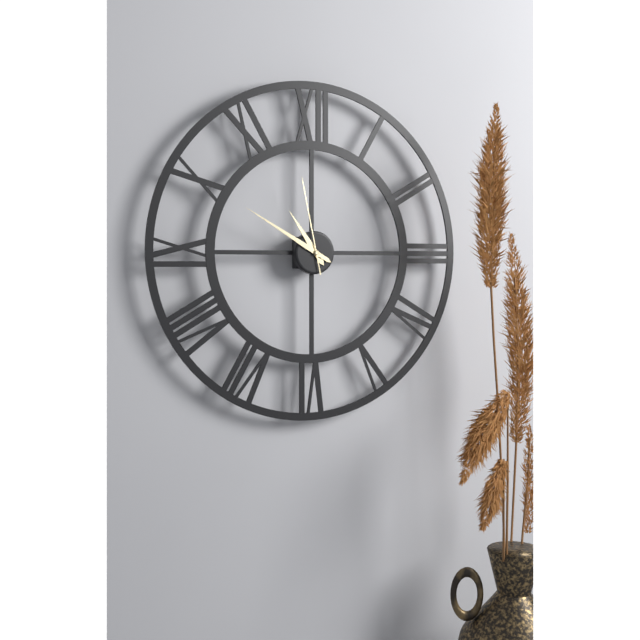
**10:50:58**
